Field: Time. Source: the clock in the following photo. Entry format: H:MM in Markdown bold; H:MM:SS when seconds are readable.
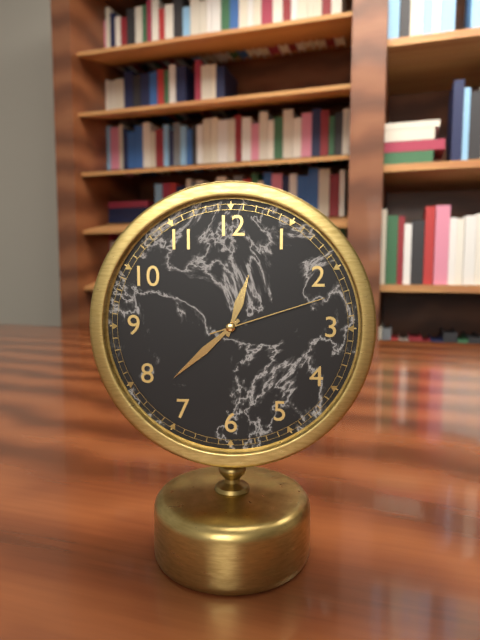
**12:38:12**
